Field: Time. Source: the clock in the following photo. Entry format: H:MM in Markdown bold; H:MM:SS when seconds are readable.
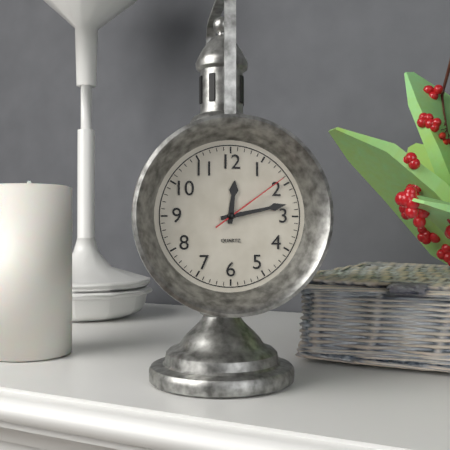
**12:13:09**
